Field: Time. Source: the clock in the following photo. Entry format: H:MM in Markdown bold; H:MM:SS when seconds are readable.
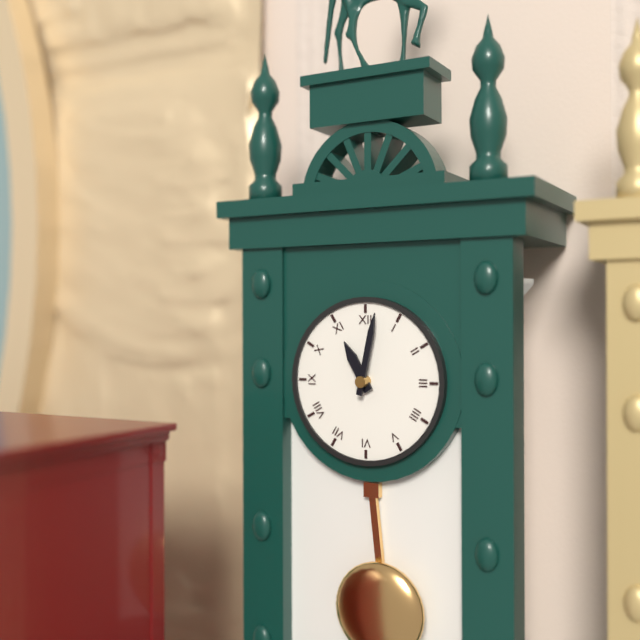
**11:02**
